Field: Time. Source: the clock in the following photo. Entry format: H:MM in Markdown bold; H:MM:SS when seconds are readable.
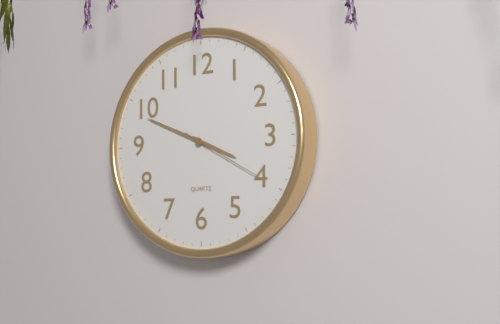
**3:49:20**
